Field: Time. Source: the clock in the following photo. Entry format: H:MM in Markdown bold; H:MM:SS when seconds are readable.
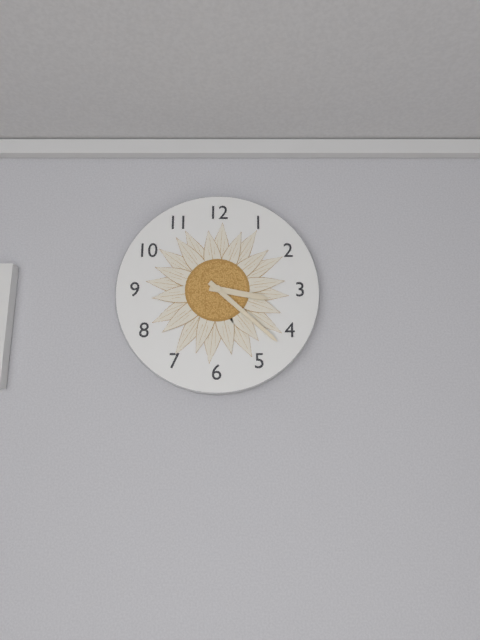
**3:22**
